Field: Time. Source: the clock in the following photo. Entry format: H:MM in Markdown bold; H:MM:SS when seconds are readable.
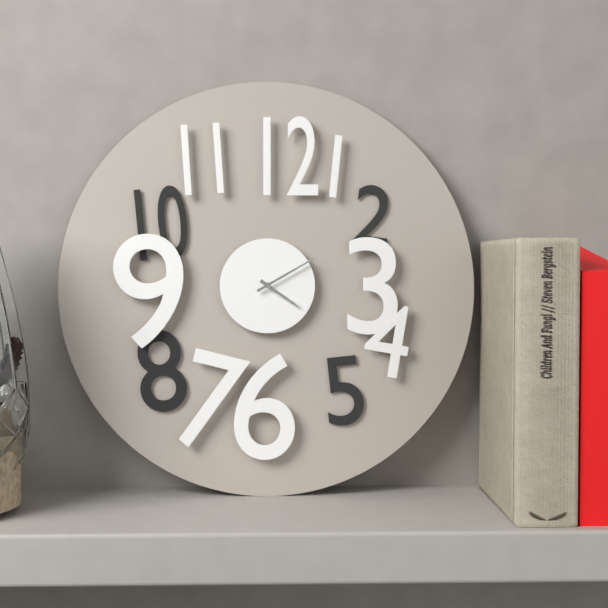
**4:10**
